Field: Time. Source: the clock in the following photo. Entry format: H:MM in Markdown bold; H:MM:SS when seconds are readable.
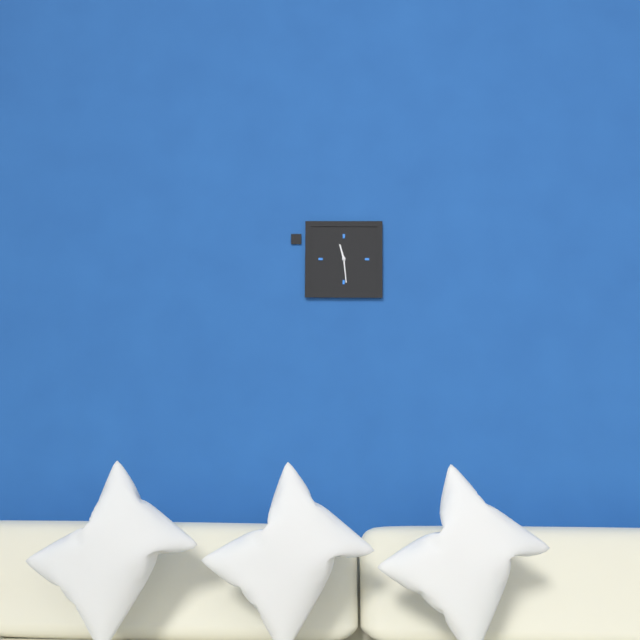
**11:29**
